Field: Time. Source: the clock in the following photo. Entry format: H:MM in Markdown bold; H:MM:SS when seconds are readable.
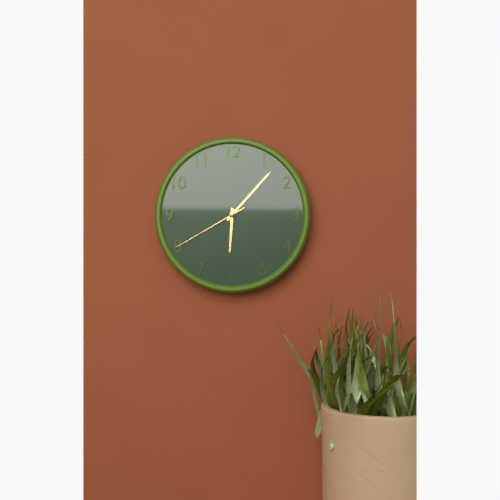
**6:07:40**
